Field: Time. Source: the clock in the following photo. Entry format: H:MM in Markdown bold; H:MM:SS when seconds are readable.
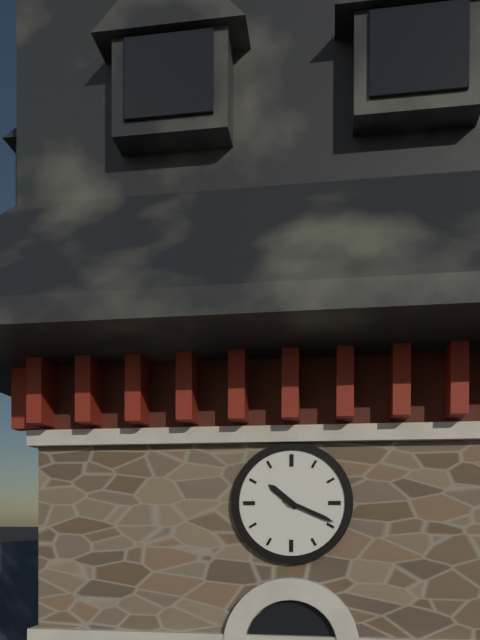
**10:19**
